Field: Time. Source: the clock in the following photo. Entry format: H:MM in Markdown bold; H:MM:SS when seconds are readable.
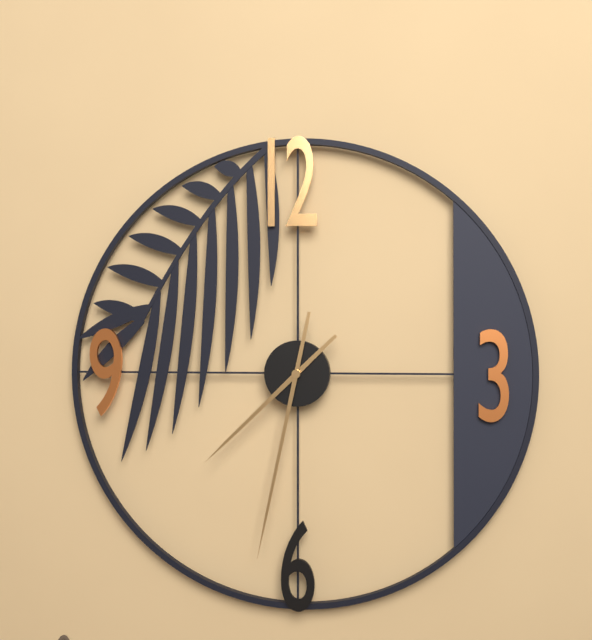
**7:32**
